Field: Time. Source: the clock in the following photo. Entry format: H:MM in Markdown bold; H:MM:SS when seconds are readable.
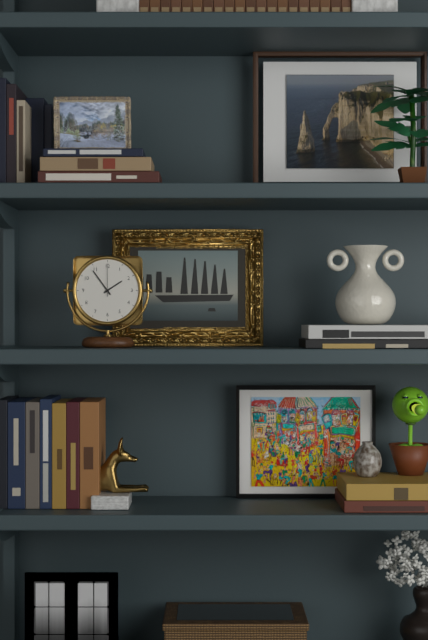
**1:54**
